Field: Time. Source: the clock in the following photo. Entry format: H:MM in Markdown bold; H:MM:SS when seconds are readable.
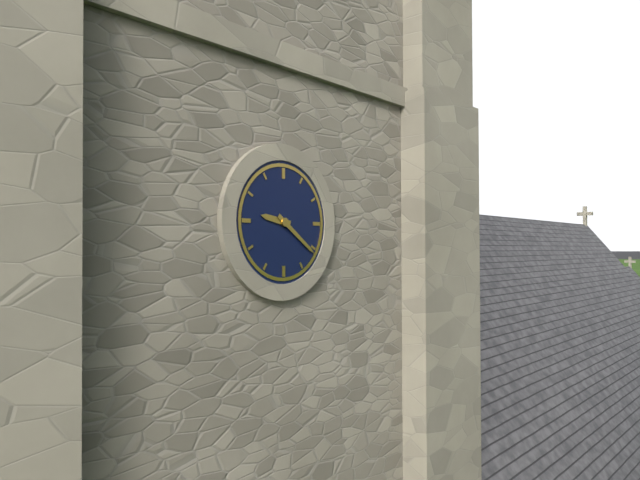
**9:21**
